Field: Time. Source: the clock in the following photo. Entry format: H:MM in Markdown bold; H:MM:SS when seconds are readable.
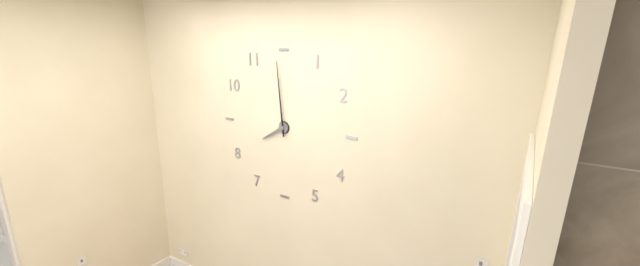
**7:59**
